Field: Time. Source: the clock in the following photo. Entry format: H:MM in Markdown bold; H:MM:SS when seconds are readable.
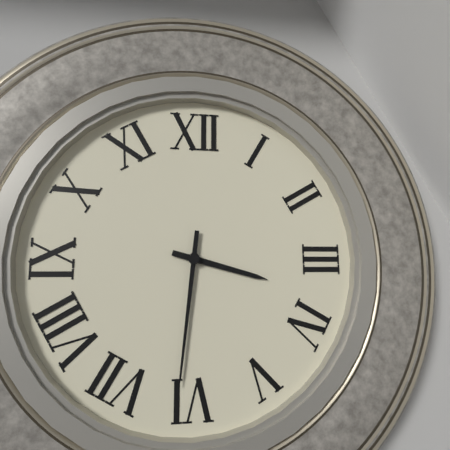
**3:31**
